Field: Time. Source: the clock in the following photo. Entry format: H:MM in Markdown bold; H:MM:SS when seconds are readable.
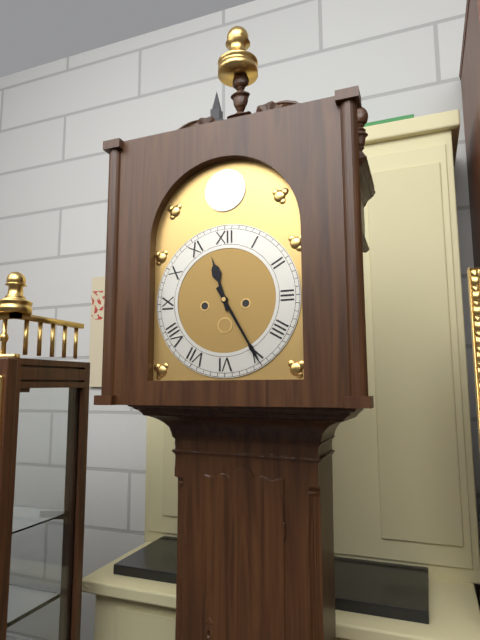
**11:25**
